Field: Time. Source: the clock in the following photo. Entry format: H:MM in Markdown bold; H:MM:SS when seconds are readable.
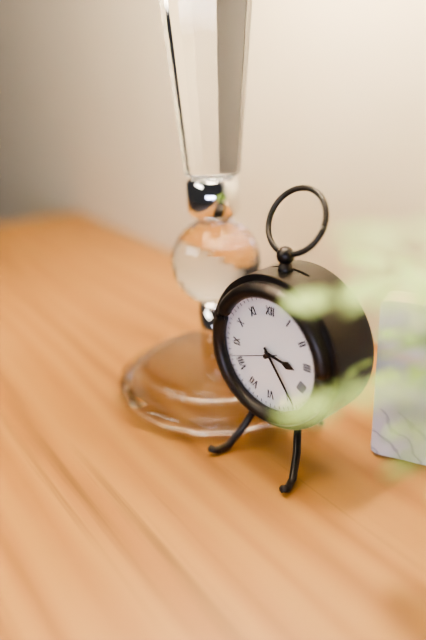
**3:24**
